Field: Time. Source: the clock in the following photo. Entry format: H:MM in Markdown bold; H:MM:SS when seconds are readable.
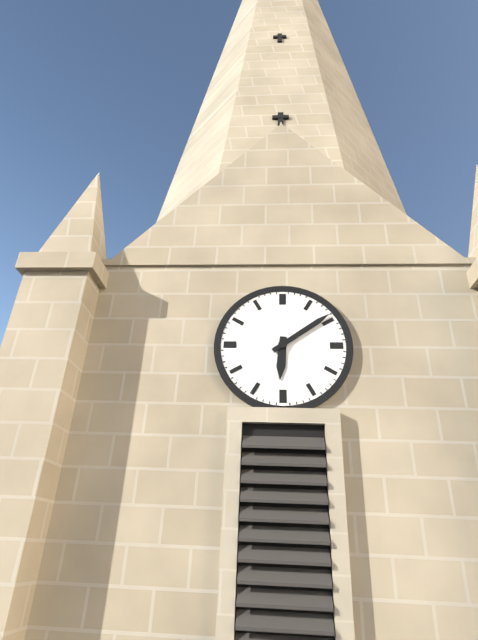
**6:09**
